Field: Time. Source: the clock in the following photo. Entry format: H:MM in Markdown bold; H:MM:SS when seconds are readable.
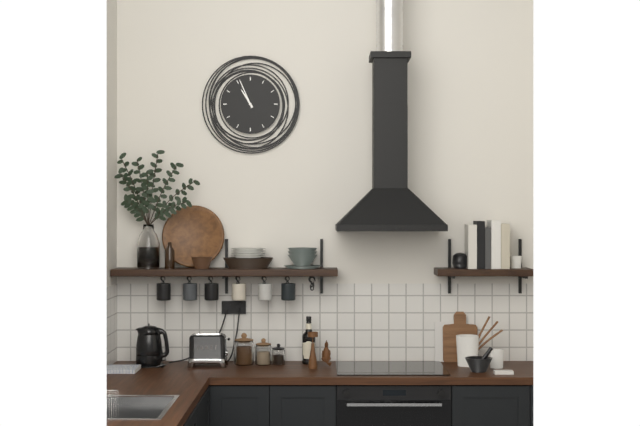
**10:56**
